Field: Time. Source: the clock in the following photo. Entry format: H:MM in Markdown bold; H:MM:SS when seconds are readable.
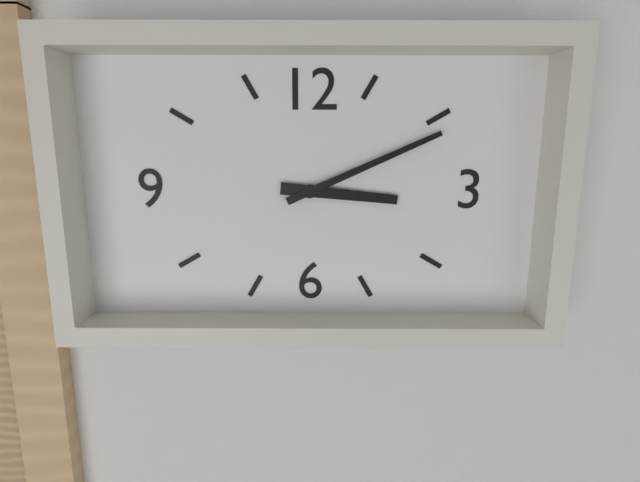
**3:11**
